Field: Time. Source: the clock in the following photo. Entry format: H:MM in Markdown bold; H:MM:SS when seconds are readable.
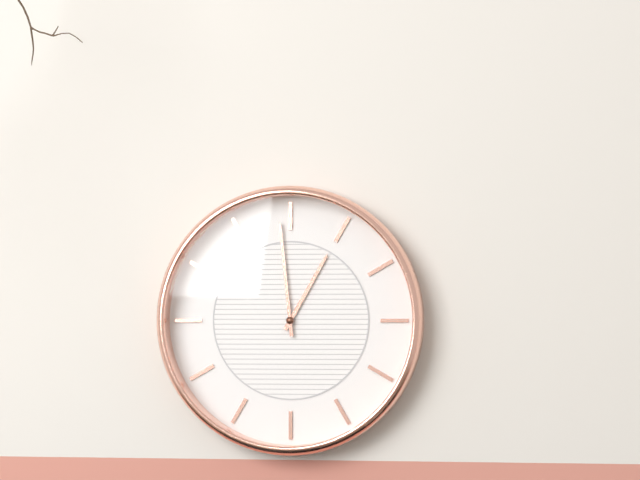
**12:59**
